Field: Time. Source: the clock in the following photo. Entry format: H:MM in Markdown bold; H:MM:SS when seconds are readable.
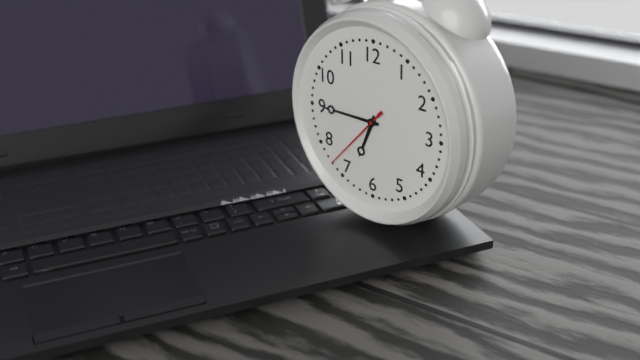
**6:45:37**
